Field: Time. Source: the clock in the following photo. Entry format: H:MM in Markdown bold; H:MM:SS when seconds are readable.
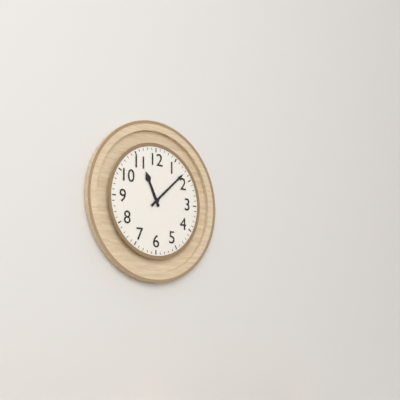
**11:08**
